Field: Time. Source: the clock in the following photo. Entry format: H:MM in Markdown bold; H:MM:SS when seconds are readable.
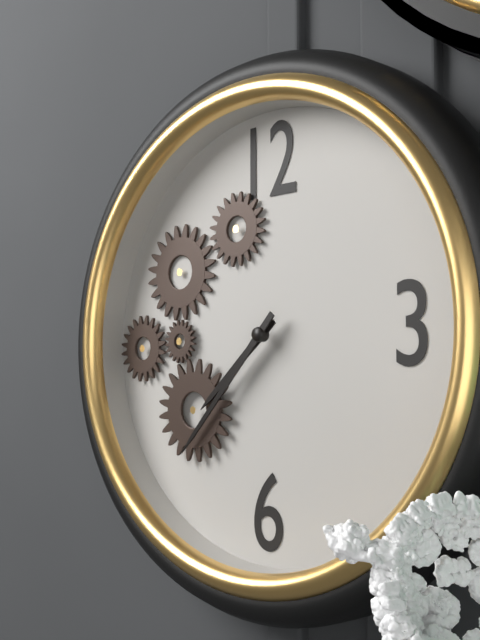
**7:37**
